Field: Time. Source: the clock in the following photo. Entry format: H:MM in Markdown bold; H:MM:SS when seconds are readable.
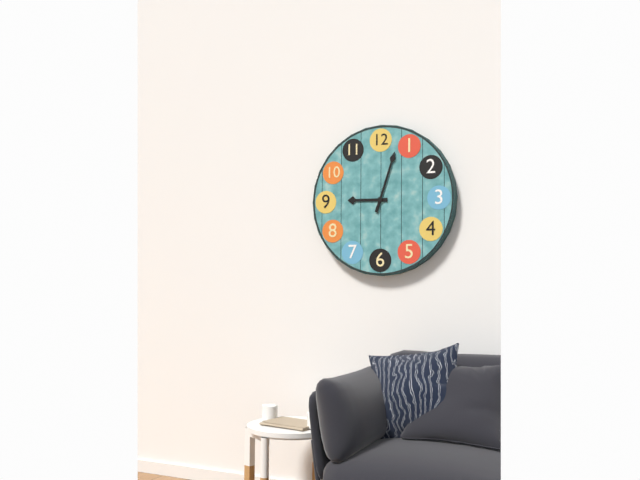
**9:03**
